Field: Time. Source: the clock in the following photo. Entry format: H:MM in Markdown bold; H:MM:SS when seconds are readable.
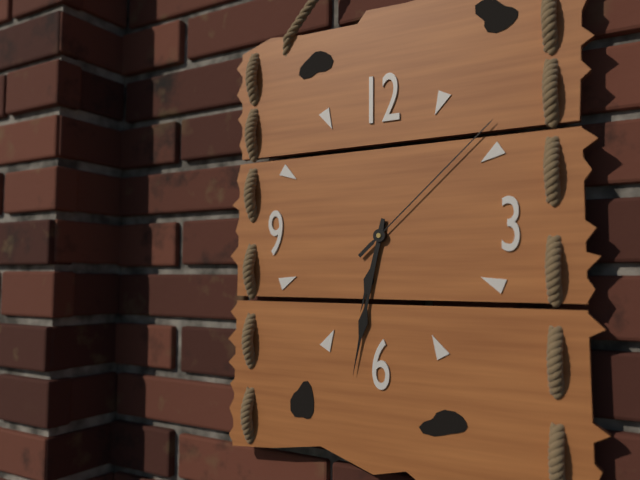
**6:32:08**
